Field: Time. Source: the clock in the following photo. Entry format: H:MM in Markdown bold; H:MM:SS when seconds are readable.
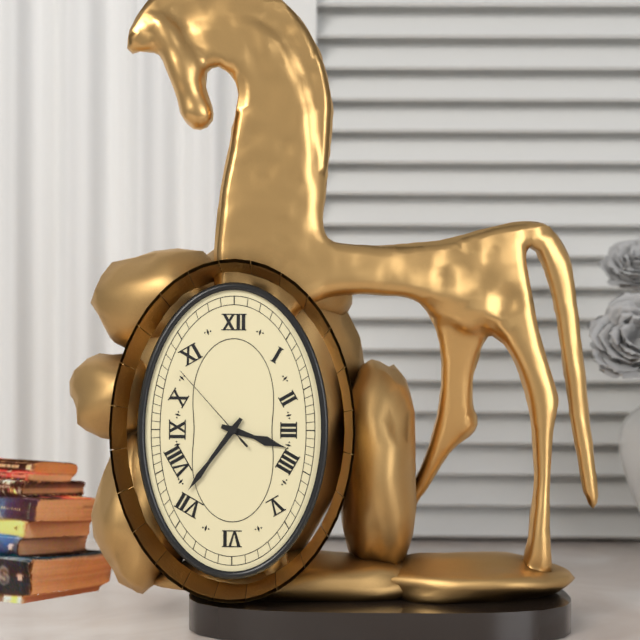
**3:36:53**
